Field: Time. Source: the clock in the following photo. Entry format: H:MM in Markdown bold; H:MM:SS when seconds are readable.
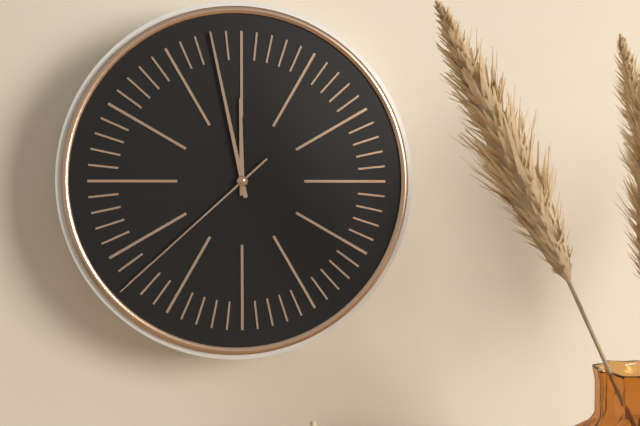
**11:58:38**
